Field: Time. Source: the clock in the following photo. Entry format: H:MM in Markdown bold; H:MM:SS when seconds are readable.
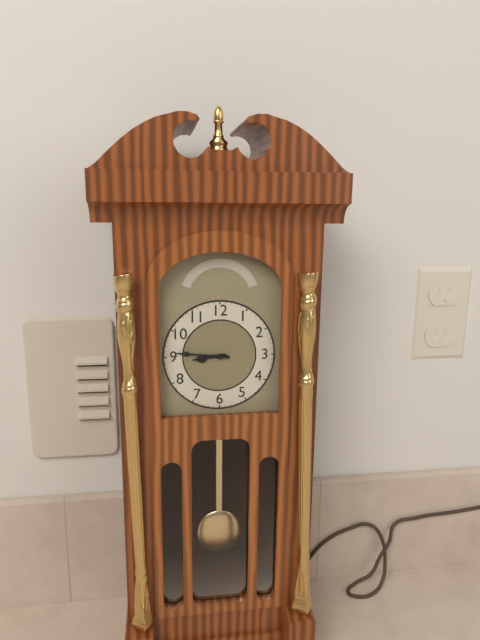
**8:46**
